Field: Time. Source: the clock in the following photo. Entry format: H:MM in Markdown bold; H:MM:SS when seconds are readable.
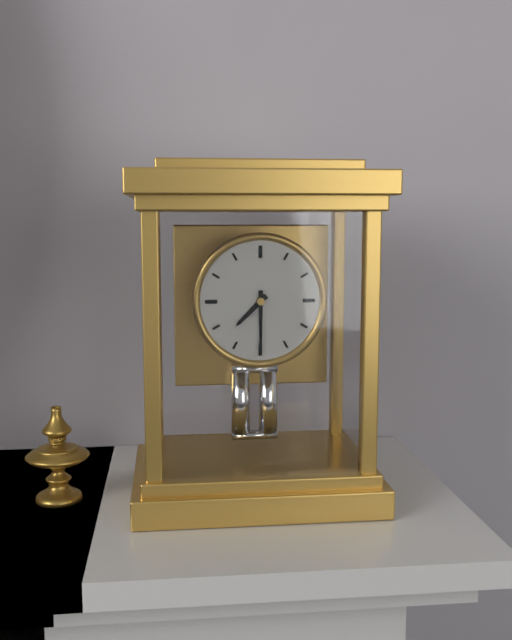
**7:30**
